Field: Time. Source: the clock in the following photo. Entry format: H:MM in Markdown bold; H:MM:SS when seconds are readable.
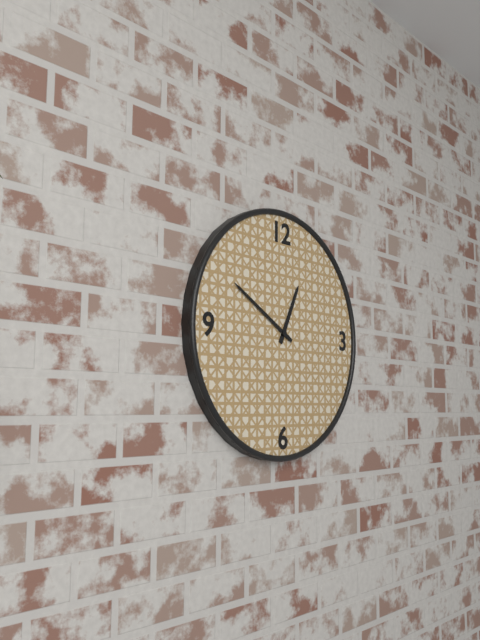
**12:50**
